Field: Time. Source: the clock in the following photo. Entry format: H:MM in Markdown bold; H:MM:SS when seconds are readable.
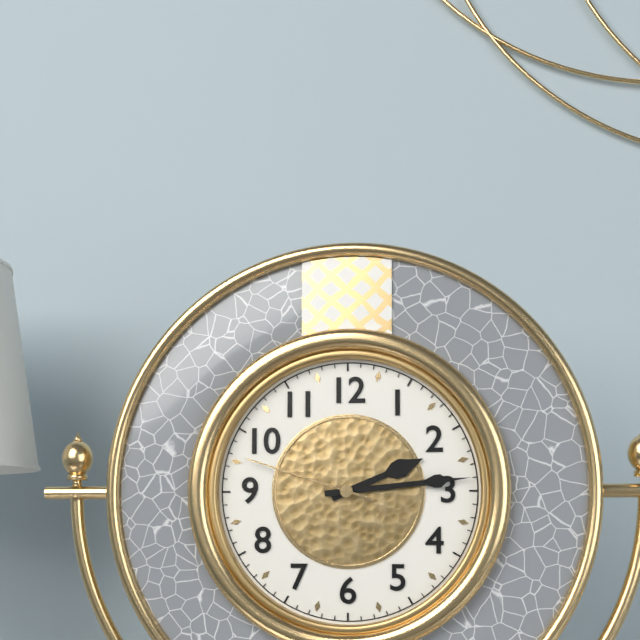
**2:14:48**
